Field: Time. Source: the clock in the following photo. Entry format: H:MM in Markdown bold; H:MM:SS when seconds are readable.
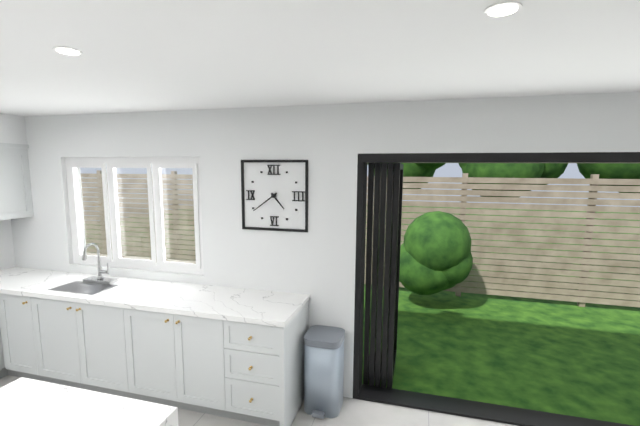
**4:39**
